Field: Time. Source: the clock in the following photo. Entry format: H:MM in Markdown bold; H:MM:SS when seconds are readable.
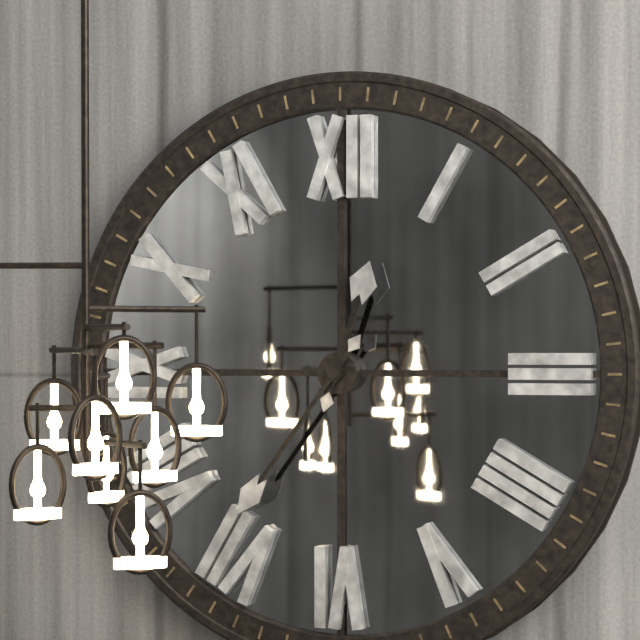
**12:36**
